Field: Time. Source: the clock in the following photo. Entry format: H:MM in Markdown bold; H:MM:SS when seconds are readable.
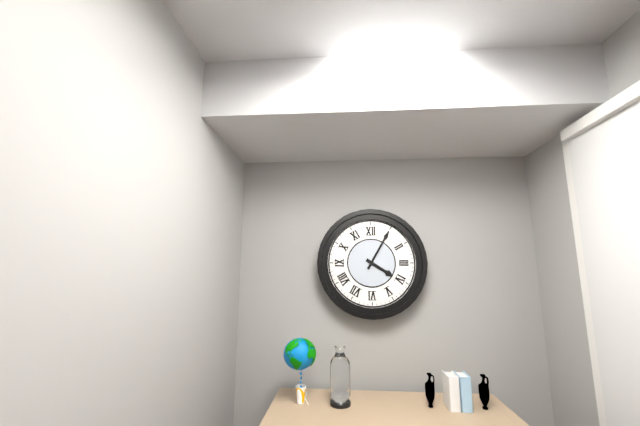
**4:05**
